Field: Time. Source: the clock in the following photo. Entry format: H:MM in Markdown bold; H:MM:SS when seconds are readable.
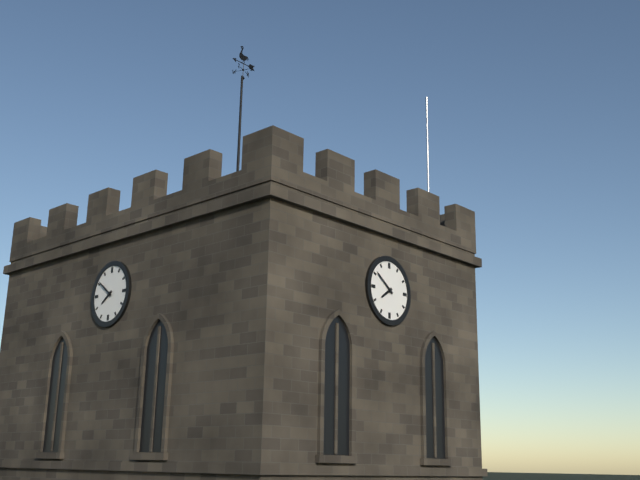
**7:51**
